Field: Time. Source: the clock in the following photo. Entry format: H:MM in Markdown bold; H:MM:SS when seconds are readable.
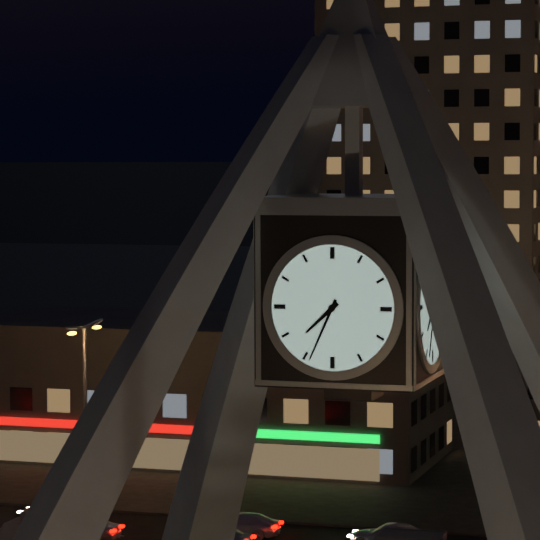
**7:34**
